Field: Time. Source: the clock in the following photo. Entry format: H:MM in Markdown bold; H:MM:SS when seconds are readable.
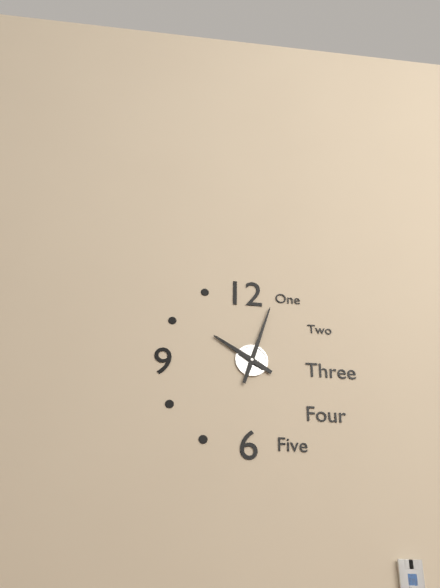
**10:03**
